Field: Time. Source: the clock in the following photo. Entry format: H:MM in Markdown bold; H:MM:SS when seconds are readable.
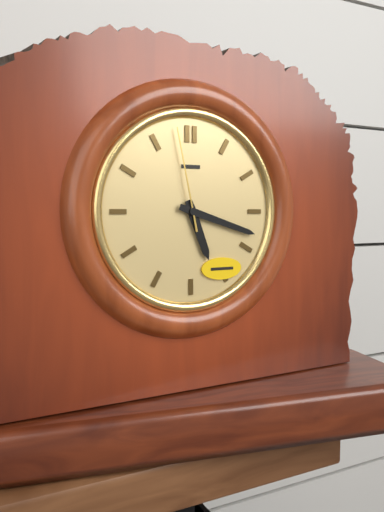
**5:18:58**
